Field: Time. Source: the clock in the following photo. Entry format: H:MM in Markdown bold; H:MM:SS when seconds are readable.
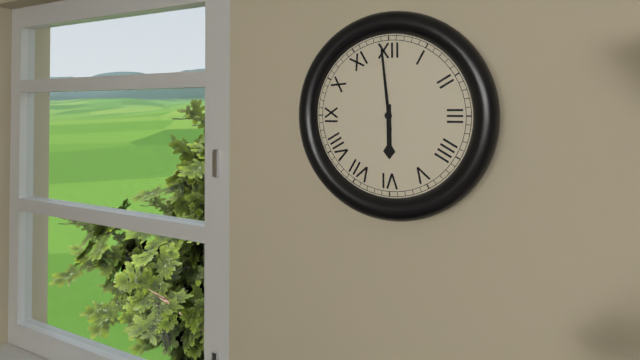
**5:59**
